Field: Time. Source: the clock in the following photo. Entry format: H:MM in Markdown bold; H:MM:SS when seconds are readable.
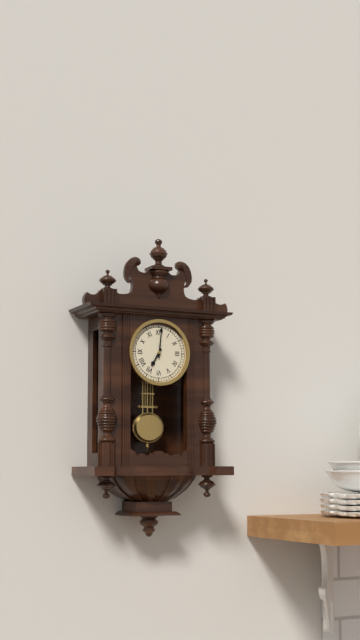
**7:01**
